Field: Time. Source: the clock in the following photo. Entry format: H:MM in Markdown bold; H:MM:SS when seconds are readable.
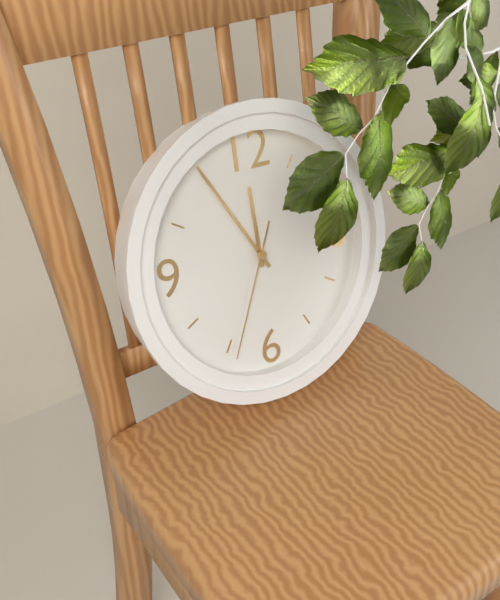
**11:55:34**
